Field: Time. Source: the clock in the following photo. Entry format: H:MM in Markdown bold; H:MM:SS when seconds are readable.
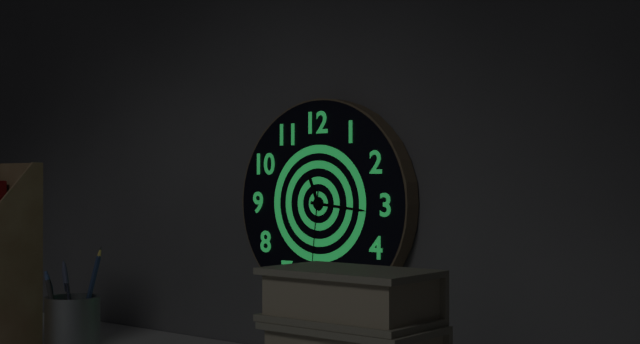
**11:16:31**
